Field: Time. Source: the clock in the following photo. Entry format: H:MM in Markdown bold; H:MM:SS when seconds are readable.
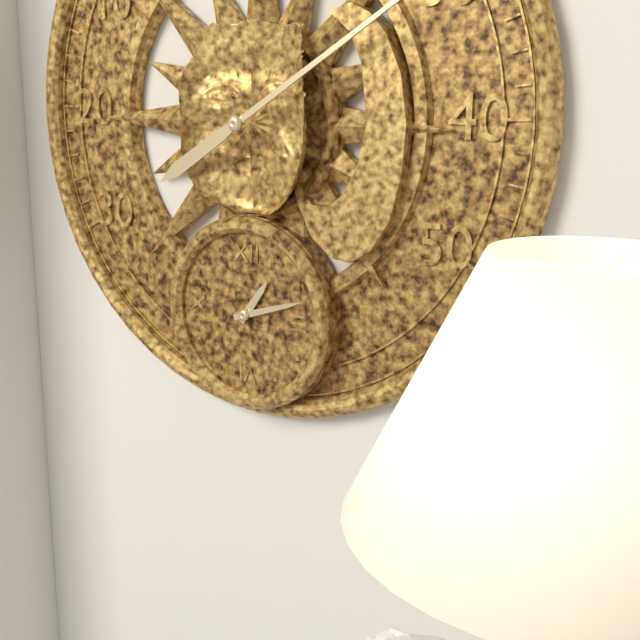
**1:12**
